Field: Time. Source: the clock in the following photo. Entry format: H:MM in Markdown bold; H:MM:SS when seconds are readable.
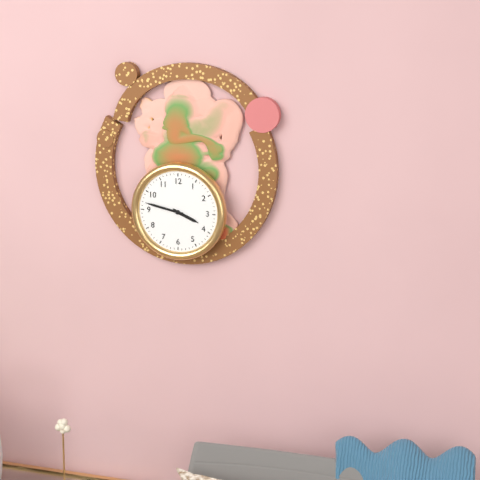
**3:47**
